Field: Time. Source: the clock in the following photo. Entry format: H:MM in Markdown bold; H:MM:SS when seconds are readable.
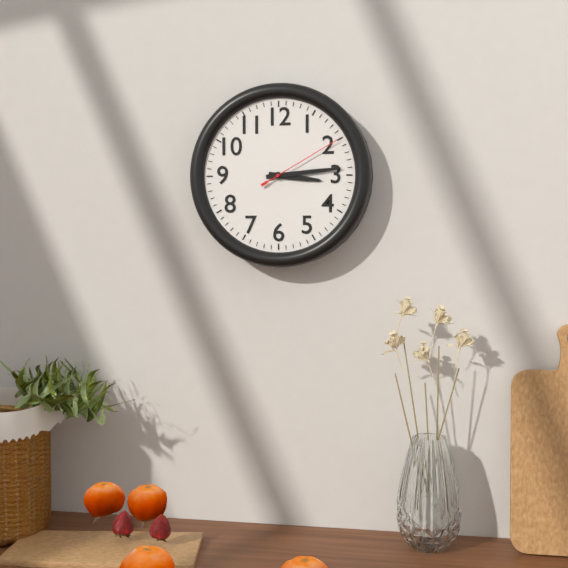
**3:14:10**
